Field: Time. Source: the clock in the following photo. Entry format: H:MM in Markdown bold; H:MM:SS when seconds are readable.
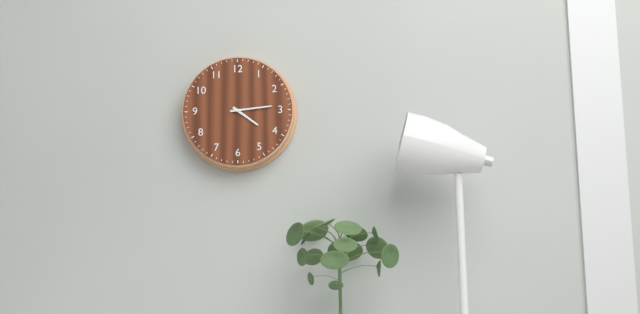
**4:14**
